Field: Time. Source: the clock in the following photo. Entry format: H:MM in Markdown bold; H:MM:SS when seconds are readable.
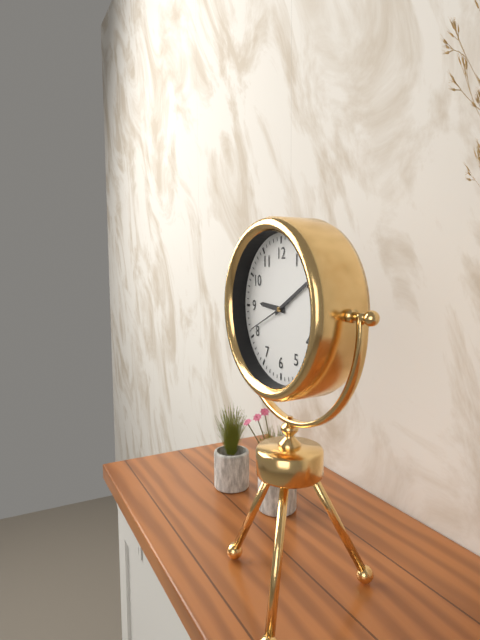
**9:10**
